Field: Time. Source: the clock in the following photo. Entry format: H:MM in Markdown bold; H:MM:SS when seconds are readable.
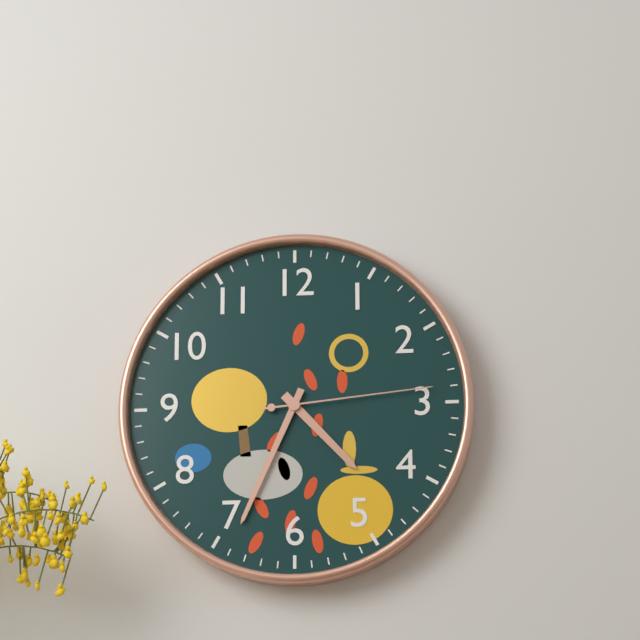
**4:34:14**
